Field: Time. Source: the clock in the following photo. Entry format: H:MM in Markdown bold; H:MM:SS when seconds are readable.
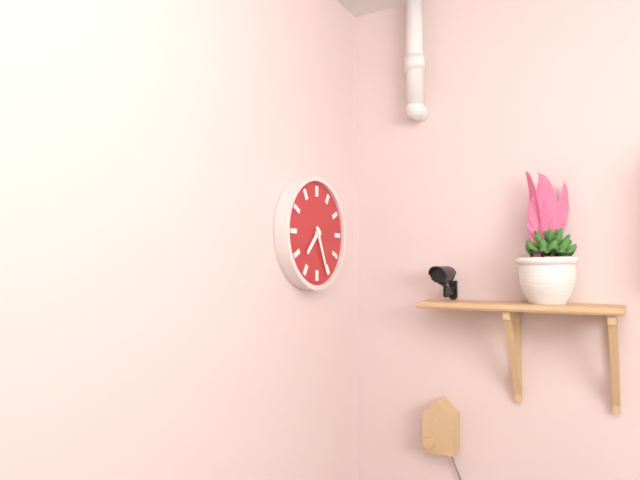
**7:26**
